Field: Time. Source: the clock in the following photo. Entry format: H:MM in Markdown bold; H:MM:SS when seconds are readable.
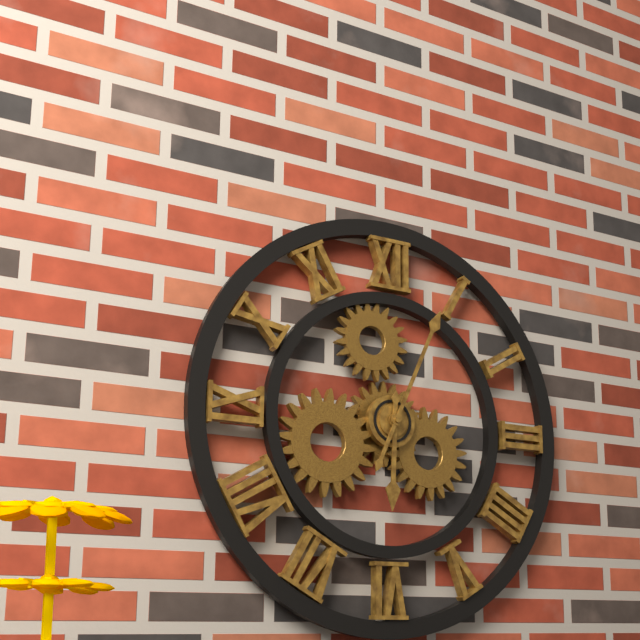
**6:04**
